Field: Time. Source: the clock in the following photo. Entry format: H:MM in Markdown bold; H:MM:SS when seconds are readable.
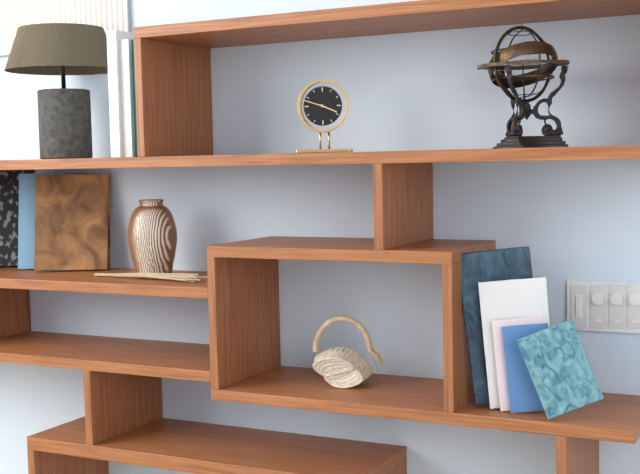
**3:48**
